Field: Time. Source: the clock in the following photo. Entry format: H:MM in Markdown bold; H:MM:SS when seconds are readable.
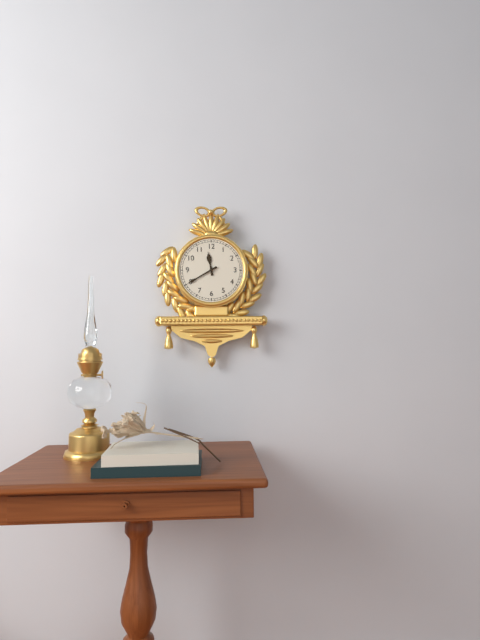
**11:40**
